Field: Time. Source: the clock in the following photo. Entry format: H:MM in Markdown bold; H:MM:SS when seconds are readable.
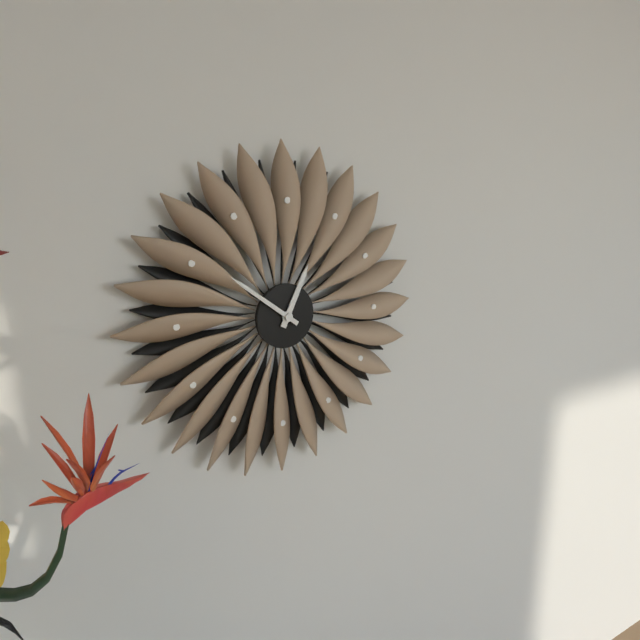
**12:51**
